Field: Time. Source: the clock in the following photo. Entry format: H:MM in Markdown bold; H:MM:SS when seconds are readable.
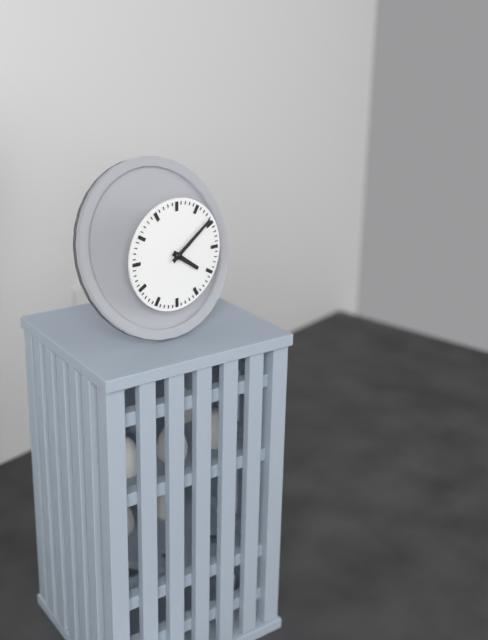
**4:09**
